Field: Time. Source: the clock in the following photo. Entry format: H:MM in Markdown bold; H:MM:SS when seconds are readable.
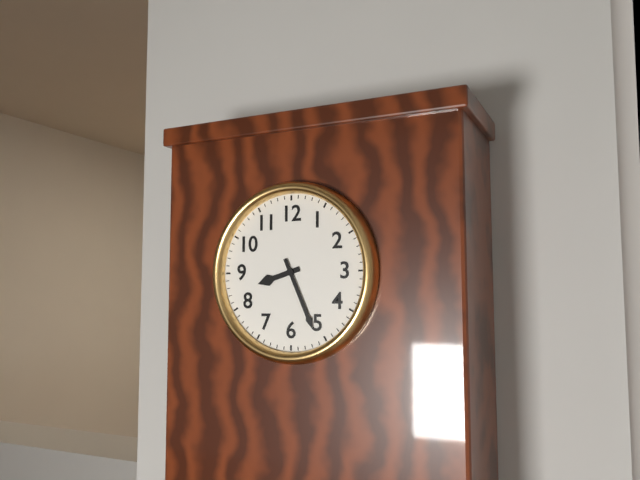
**8:26**
